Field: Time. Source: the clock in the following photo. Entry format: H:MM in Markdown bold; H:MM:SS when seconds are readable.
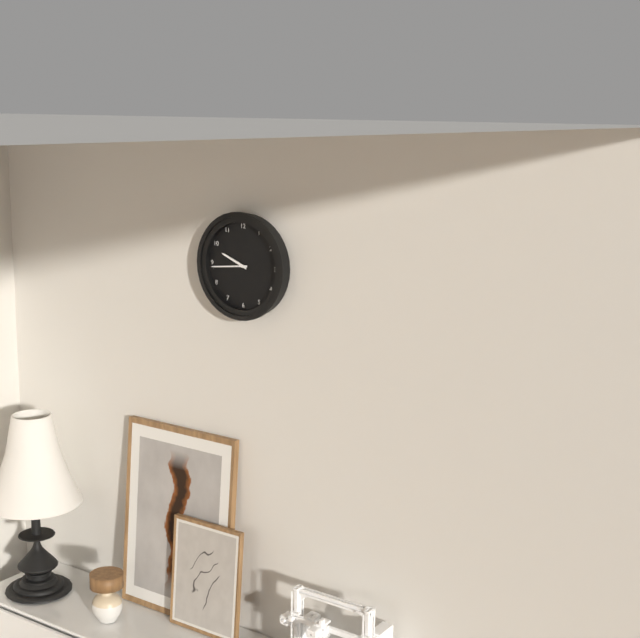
**9:44**
